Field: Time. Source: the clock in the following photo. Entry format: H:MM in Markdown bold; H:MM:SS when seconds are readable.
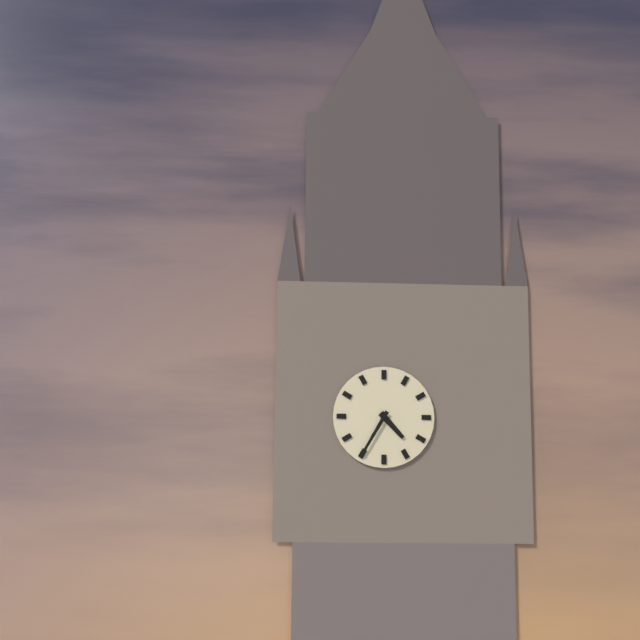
**4:35**
